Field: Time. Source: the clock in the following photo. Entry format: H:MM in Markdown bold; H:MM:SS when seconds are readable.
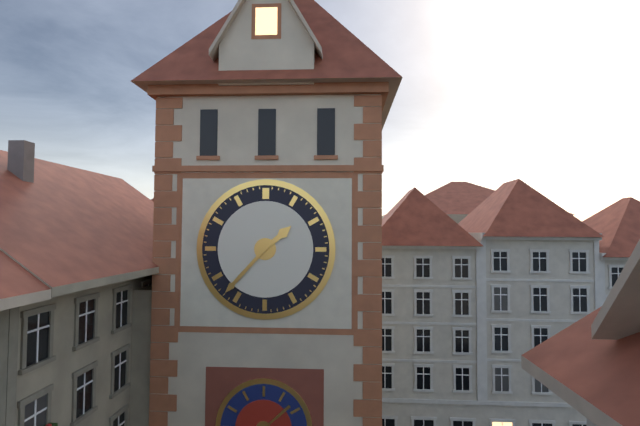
**1:37**
